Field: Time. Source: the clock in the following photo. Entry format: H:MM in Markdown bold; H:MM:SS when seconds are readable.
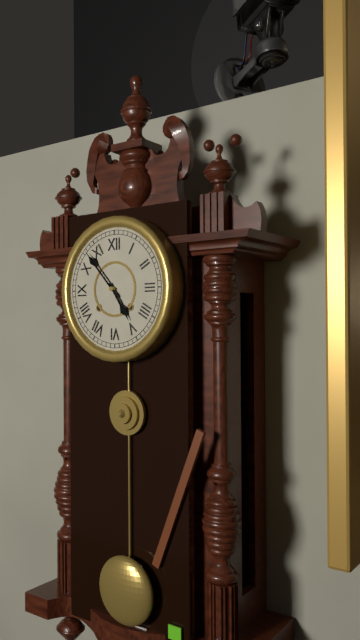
**4:53**
